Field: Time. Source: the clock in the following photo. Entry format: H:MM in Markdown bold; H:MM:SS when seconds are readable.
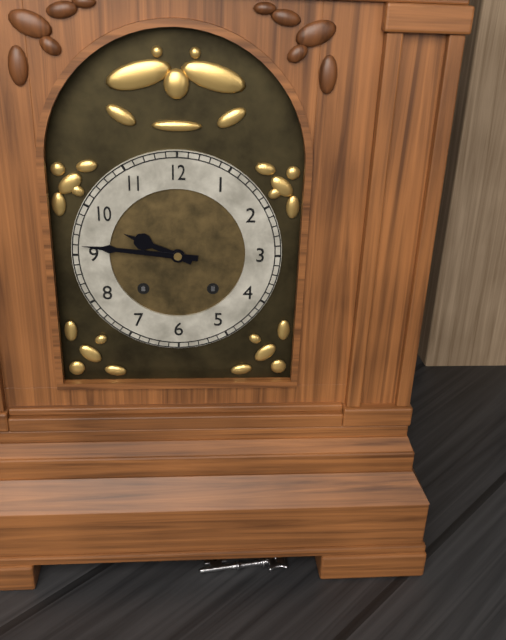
**9:46**
